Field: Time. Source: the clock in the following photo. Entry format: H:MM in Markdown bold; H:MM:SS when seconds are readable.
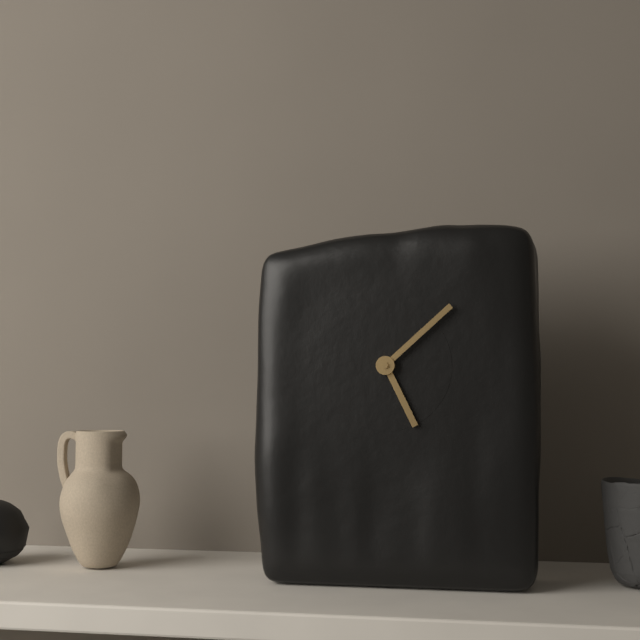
**5:08**
